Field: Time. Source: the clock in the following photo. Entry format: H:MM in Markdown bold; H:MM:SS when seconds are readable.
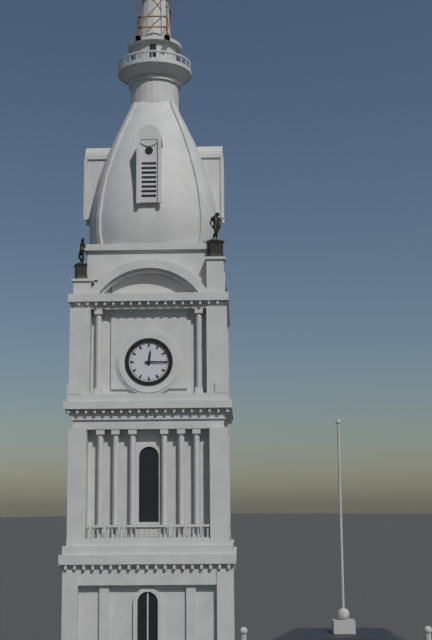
**12:15**
